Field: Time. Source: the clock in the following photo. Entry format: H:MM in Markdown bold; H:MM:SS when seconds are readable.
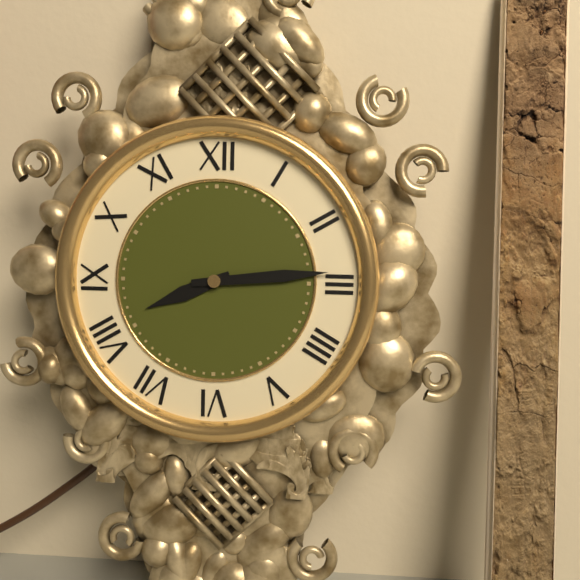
**8:14**
